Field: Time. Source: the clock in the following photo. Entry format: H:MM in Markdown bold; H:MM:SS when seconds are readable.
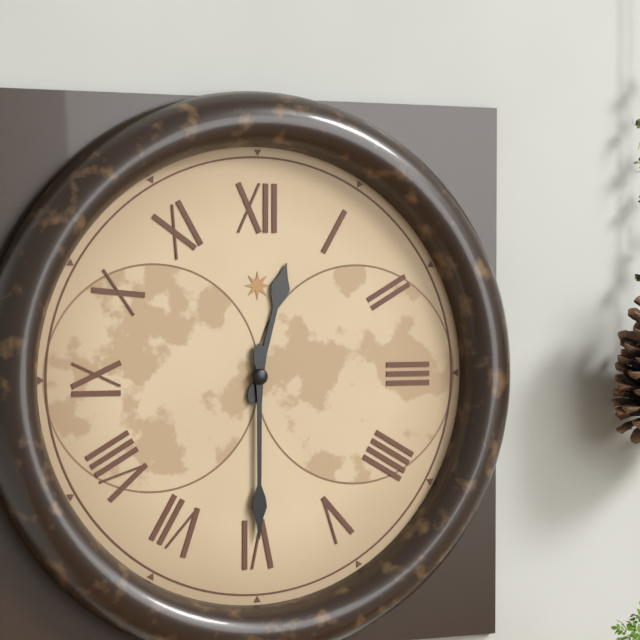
**12:30**
